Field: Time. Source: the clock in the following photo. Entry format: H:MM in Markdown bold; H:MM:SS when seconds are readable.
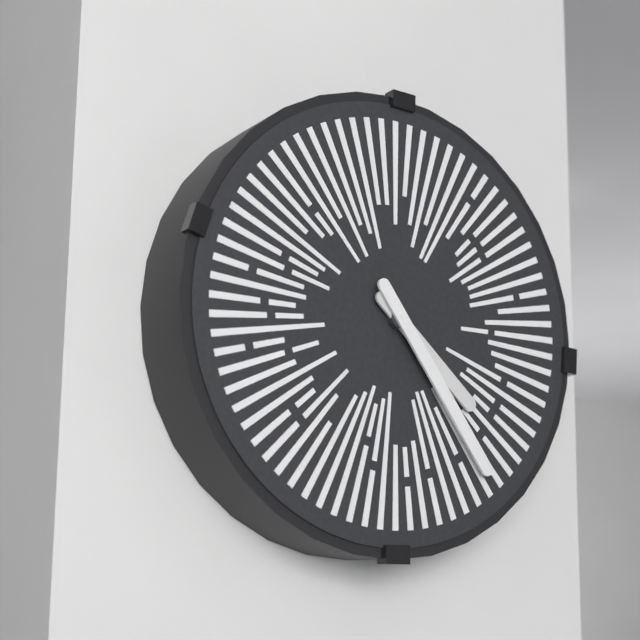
**4:24**
